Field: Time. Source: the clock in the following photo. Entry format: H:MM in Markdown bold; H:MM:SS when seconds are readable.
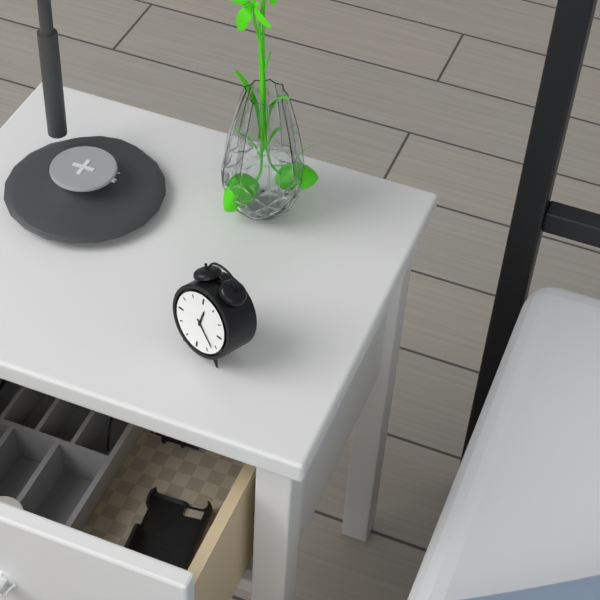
**12:22**
